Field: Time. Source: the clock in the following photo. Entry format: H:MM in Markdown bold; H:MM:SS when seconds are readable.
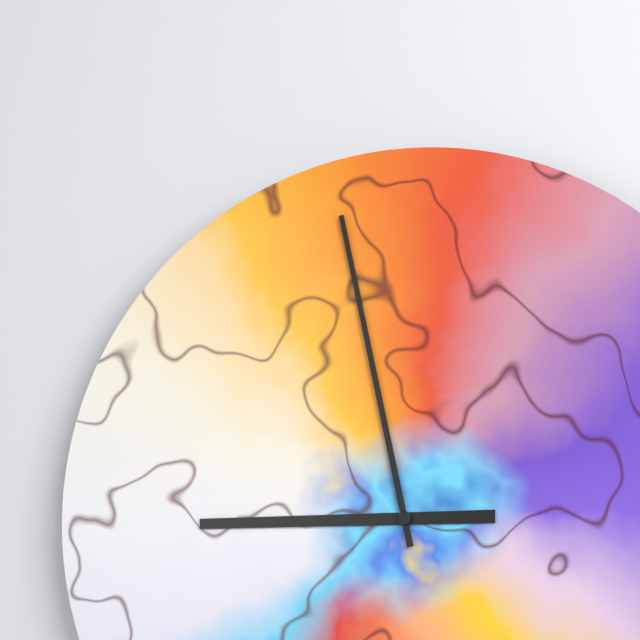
**8:58**
